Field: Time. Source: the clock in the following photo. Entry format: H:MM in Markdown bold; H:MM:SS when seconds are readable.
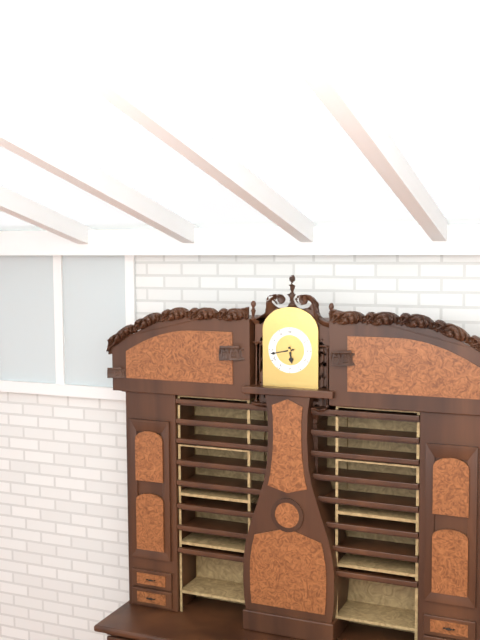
**5:43**
